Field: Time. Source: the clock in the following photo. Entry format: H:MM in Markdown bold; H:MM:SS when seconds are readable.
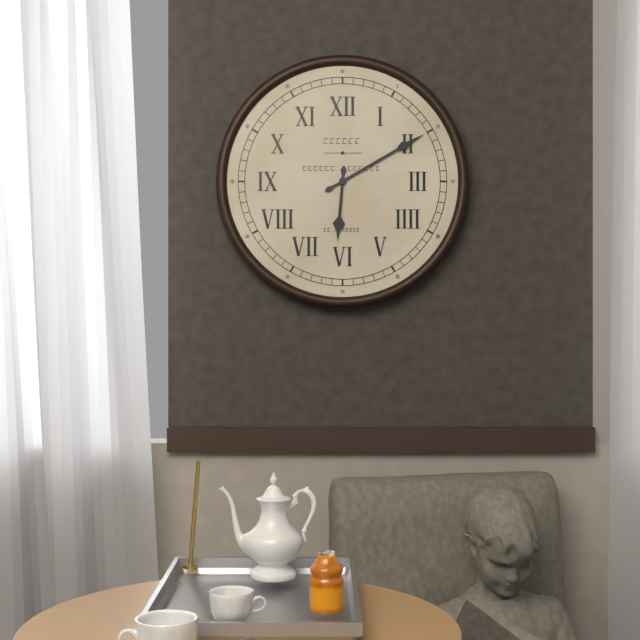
**6:10**
